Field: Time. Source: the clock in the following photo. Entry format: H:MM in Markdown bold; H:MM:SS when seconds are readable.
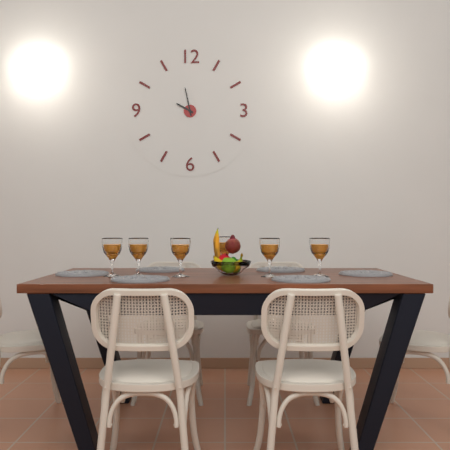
**9:58**
